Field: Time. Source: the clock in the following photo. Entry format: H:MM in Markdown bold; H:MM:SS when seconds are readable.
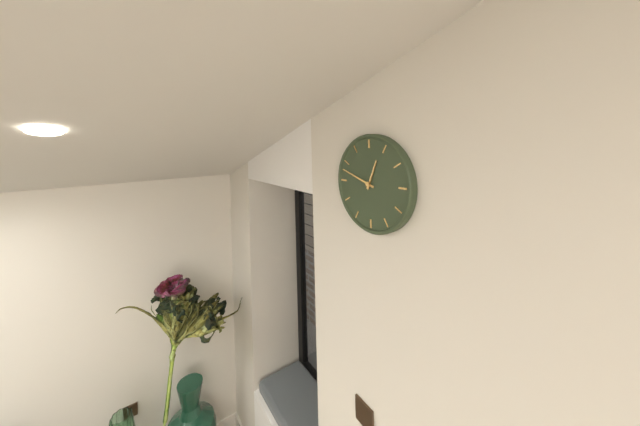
**12:48**
